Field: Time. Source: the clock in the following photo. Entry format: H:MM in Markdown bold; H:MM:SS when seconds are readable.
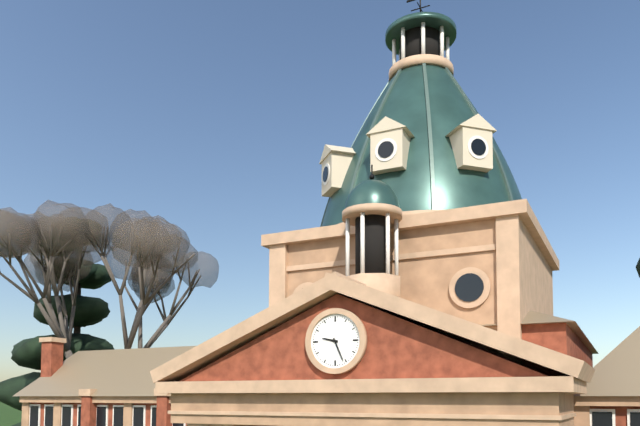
**9:26**
